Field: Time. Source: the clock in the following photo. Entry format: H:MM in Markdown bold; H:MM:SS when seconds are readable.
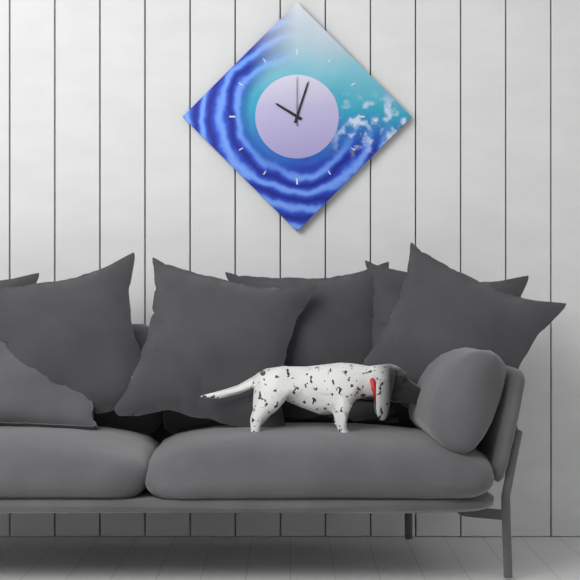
**10:03:00**
